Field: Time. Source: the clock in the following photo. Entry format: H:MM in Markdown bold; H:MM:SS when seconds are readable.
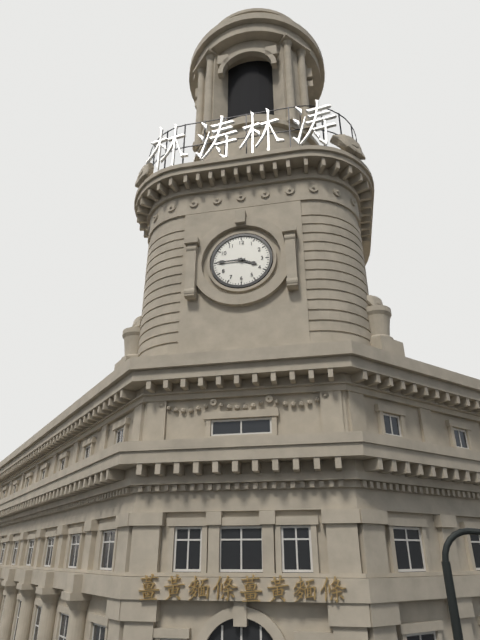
**3:45**
